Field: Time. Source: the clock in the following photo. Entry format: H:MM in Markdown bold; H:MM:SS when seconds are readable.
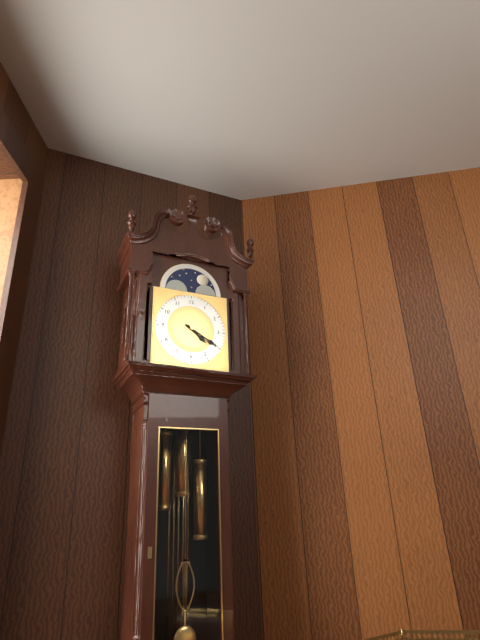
**4:20**
